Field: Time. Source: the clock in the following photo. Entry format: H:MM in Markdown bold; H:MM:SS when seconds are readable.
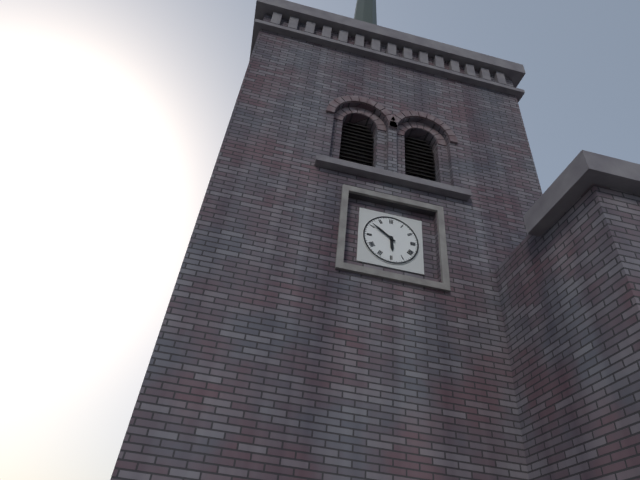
**5:51**
